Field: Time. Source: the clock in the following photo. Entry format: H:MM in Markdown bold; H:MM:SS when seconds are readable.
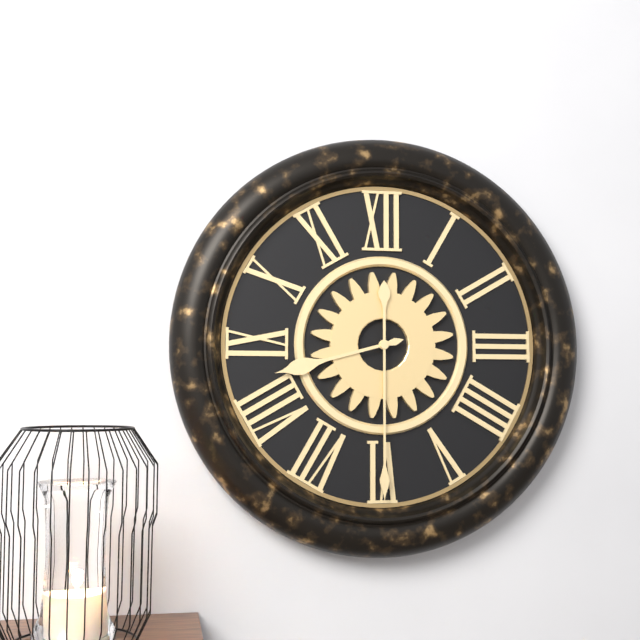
**8:30**
